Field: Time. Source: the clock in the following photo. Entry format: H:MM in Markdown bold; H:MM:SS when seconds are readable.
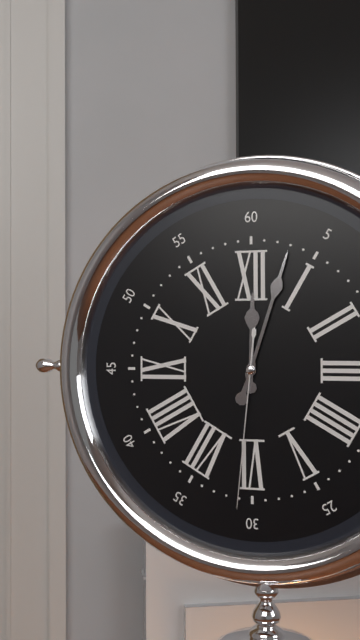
**12:03:31**
